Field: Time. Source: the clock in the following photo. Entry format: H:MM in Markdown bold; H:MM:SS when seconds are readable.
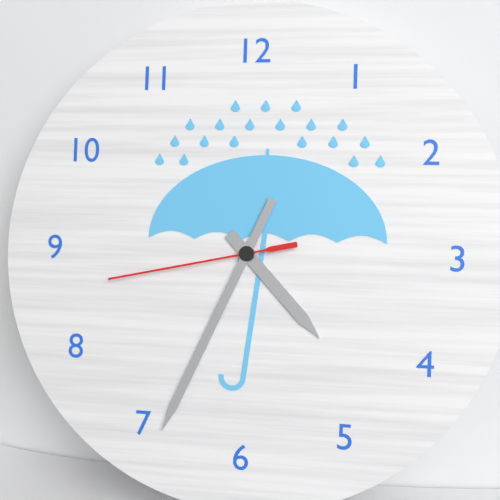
**4:34:43**
